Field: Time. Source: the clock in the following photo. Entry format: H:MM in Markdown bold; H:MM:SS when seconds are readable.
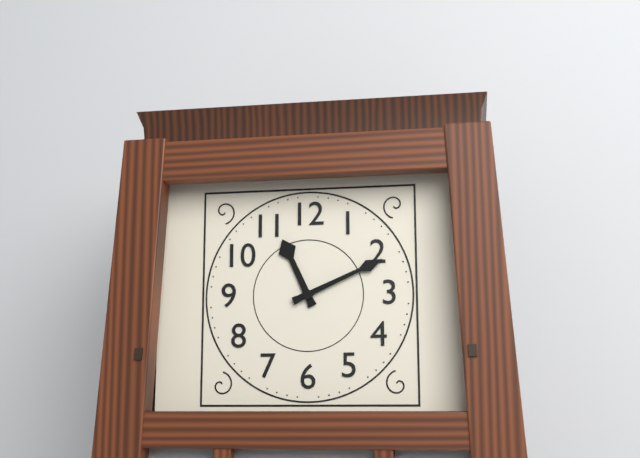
**11:11**
